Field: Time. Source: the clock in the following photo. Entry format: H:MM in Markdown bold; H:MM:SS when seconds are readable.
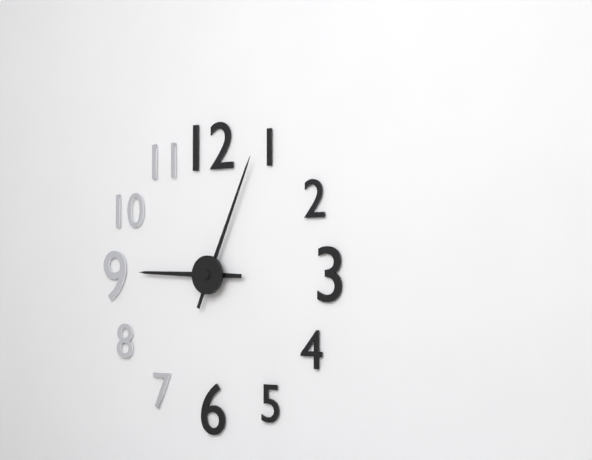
**9:04**
